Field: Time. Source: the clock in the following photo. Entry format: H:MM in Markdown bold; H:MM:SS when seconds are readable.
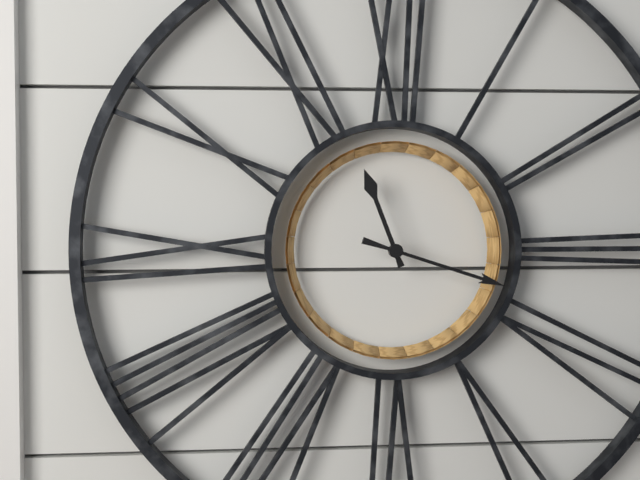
**11:18**
